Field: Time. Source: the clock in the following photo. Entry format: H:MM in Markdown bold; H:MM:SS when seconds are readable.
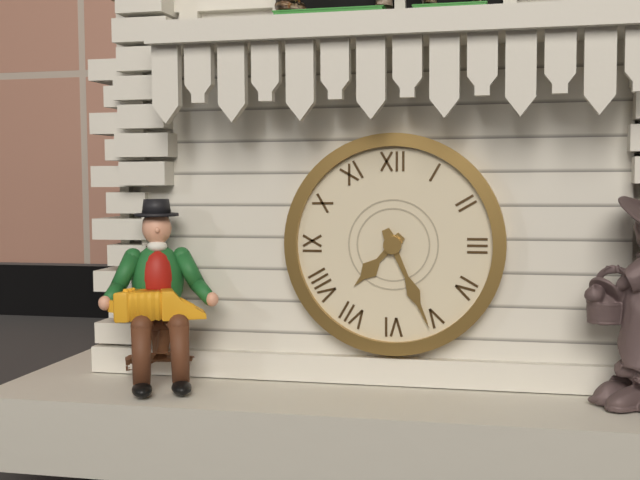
**7:26**
